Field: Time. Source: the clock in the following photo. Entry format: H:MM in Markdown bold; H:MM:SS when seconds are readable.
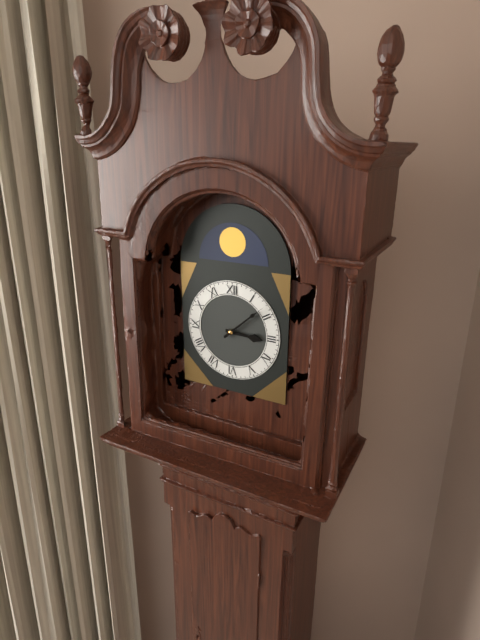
**3:08**
